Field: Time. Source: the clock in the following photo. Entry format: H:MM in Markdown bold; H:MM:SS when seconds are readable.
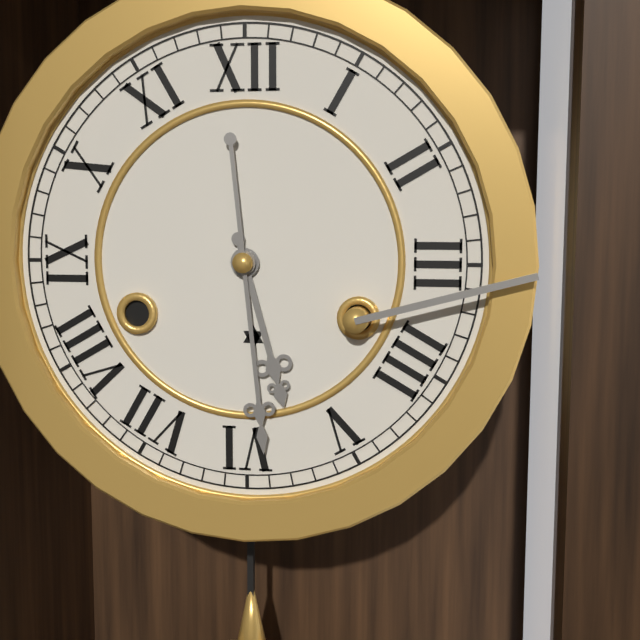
**5:29**
